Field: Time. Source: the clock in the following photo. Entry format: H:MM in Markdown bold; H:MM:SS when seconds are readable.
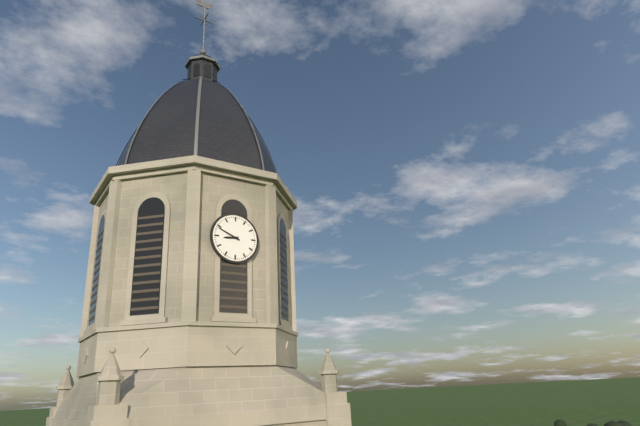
**8:49**
